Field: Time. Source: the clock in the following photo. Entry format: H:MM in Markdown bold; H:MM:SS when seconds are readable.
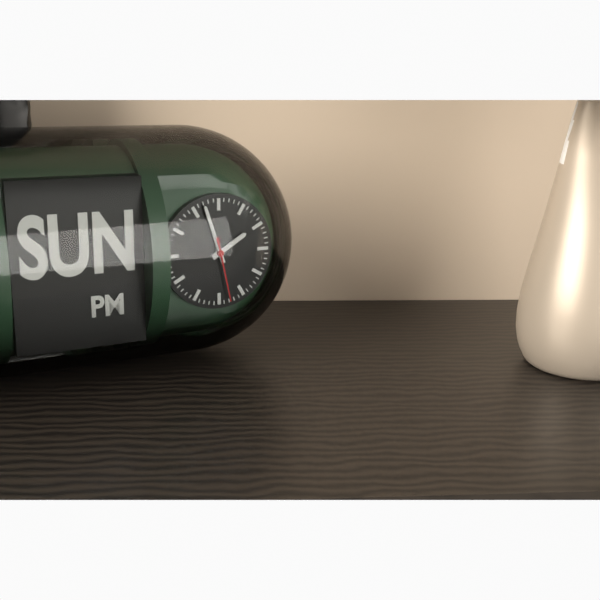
**1:57:28**
